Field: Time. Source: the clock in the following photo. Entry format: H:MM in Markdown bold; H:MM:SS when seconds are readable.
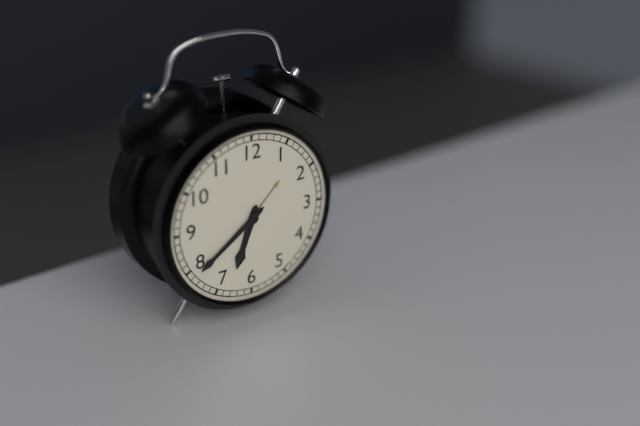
**6:39**
